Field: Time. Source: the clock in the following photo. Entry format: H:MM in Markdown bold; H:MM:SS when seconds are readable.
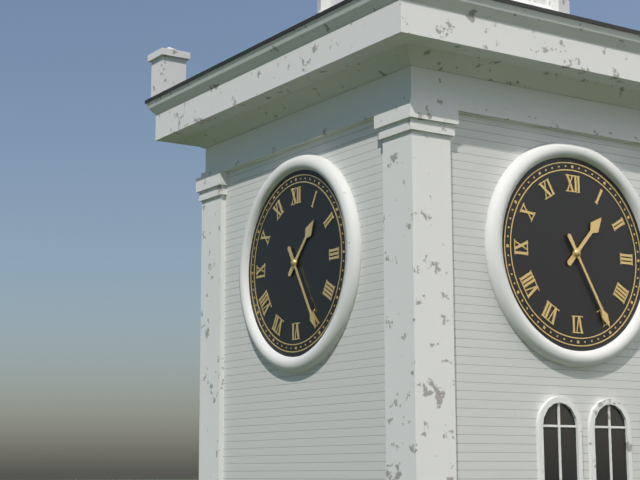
**1:25**
